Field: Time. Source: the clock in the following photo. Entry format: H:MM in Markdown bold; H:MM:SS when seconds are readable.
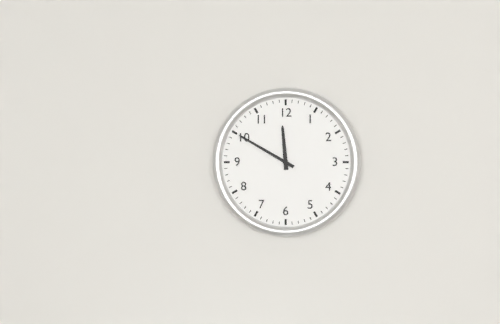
**11:50**
